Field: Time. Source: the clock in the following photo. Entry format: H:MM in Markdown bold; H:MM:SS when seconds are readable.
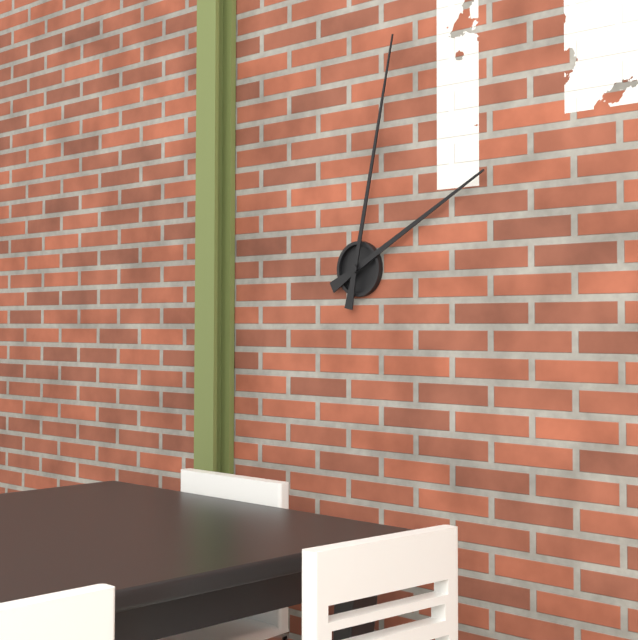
**2:02**
